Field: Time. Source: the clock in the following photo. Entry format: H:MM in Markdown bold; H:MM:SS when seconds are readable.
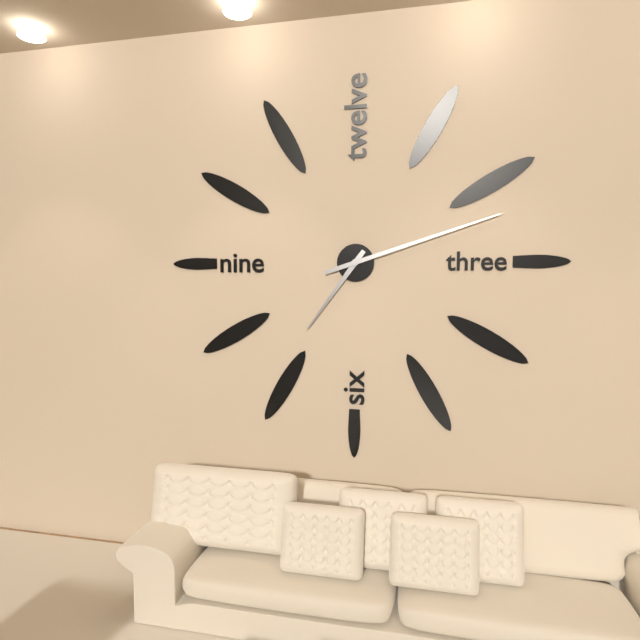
**7:12**
